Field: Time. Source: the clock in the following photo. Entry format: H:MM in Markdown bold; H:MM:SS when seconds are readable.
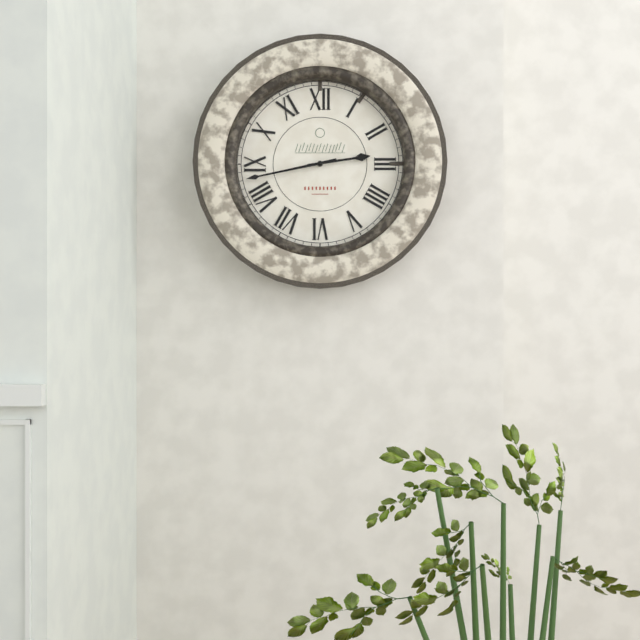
**2:43**
